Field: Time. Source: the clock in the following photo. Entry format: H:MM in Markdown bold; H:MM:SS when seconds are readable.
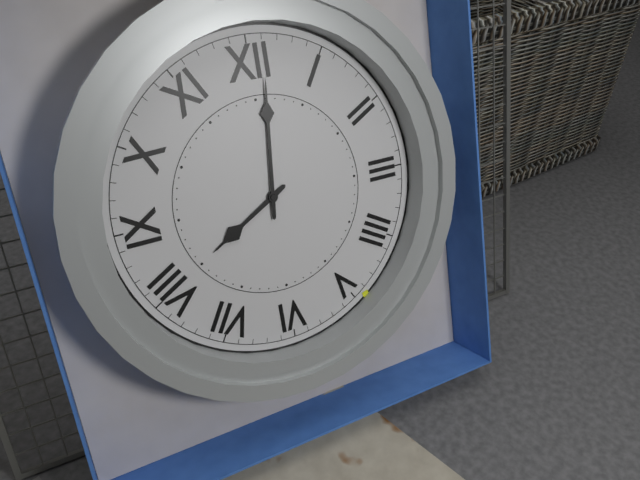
**8:01**
